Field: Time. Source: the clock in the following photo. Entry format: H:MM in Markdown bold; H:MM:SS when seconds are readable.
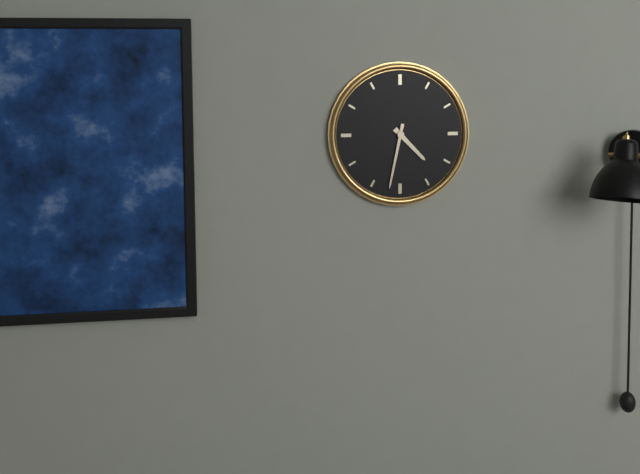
**4:32**
